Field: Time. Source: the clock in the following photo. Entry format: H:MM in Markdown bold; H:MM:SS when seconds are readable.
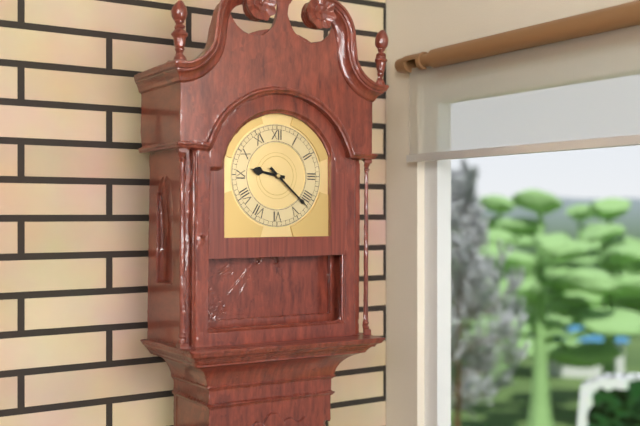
**9:22**
